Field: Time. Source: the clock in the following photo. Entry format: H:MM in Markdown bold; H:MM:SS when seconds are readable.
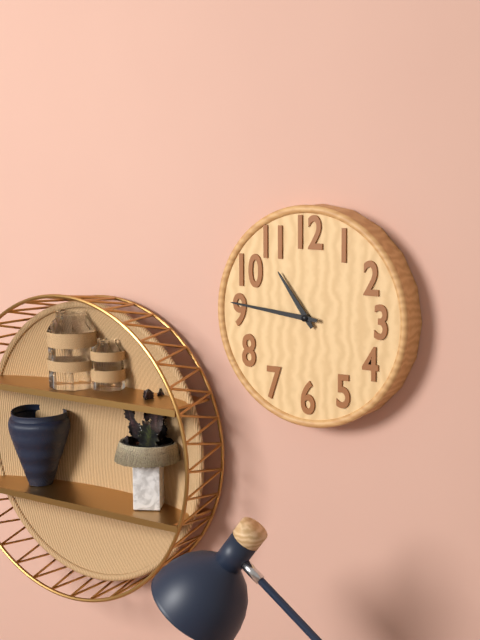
**10:46**
